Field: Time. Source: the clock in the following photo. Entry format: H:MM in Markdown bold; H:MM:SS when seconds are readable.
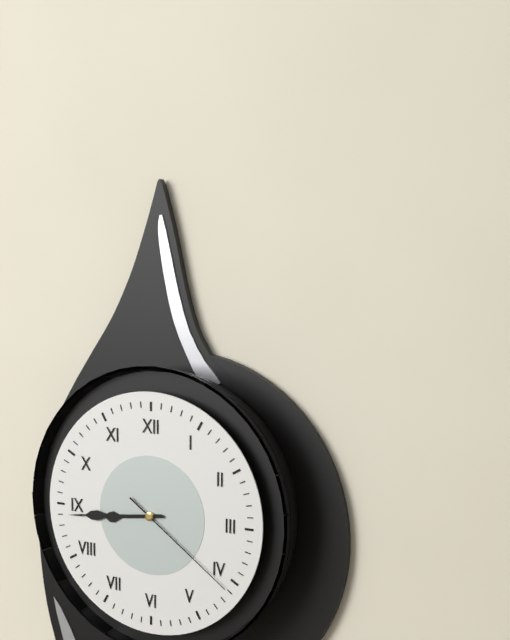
**8:44:21**
